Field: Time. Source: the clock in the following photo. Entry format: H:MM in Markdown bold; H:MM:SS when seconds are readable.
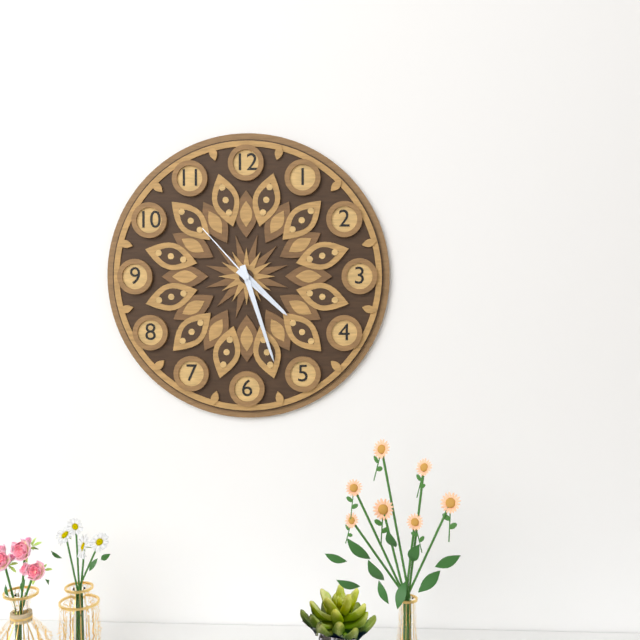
**4:27:53**
